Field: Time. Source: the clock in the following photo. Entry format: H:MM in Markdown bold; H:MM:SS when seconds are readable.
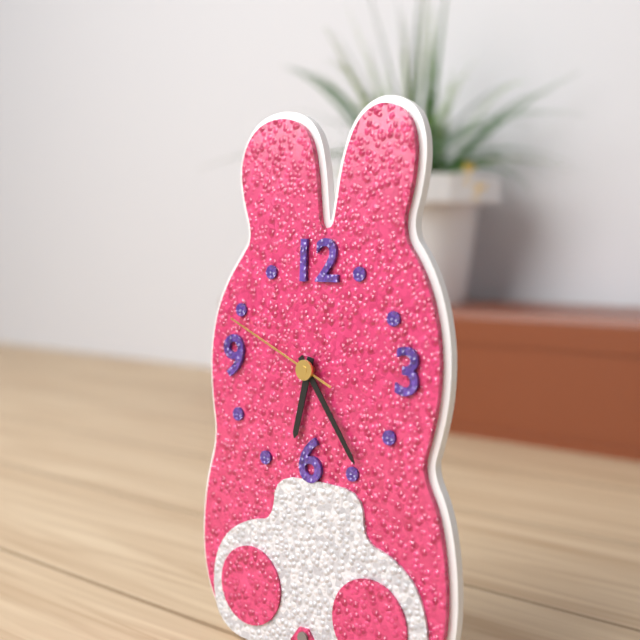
**6:24:49**
